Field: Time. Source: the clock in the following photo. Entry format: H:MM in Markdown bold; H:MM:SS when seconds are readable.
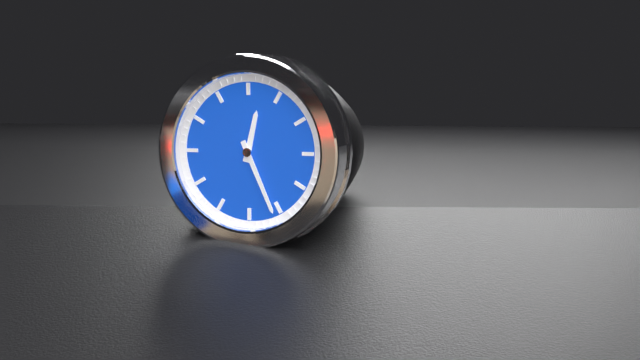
**12:26**
